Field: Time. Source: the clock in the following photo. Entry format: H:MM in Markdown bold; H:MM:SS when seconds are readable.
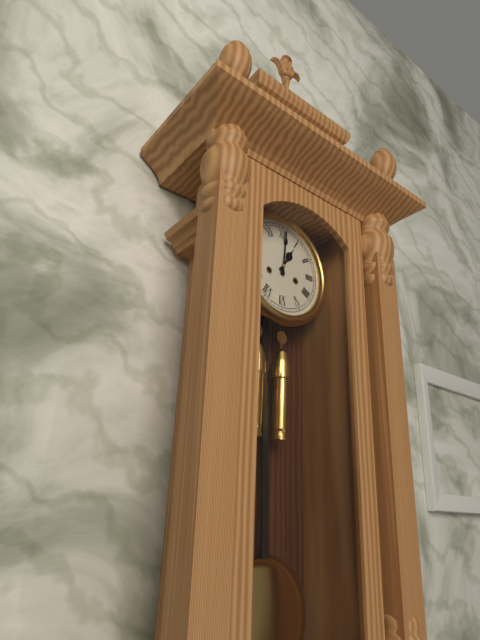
**1:01**
